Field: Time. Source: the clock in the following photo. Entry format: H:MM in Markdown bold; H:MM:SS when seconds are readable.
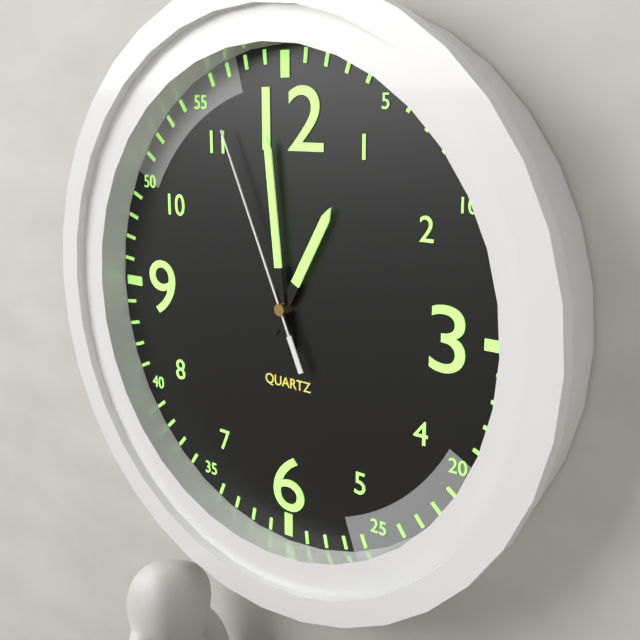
**12:59:56**
